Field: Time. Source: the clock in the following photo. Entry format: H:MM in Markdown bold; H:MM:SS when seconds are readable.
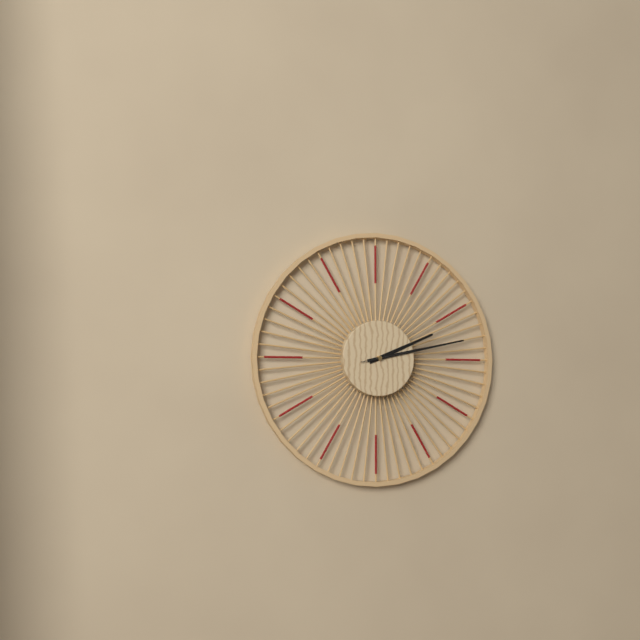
**2:13:13**
